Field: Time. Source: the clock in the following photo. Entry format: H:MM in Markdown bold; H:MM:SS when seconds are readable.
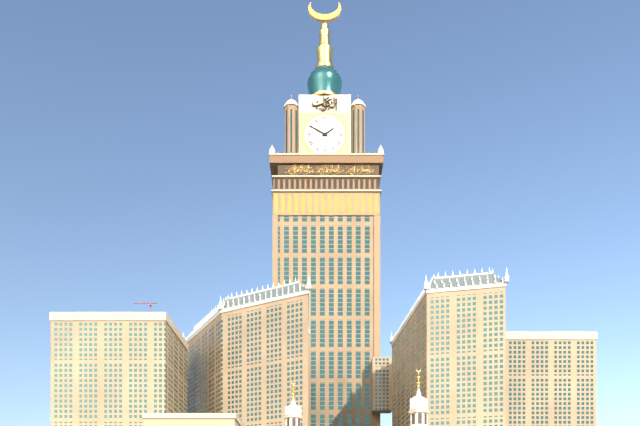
**1:50**
